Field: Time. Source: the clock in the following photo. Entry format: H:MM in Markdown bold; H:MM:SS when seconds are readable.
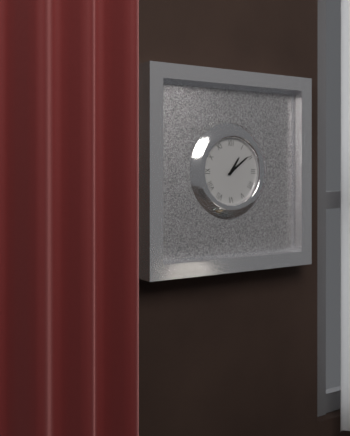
**1:09**
